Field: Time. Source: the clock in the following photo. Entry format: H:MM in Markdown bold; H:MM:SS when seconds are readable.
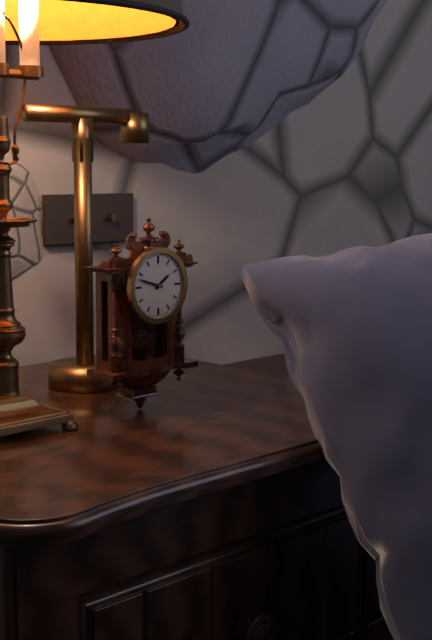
**1:48**
